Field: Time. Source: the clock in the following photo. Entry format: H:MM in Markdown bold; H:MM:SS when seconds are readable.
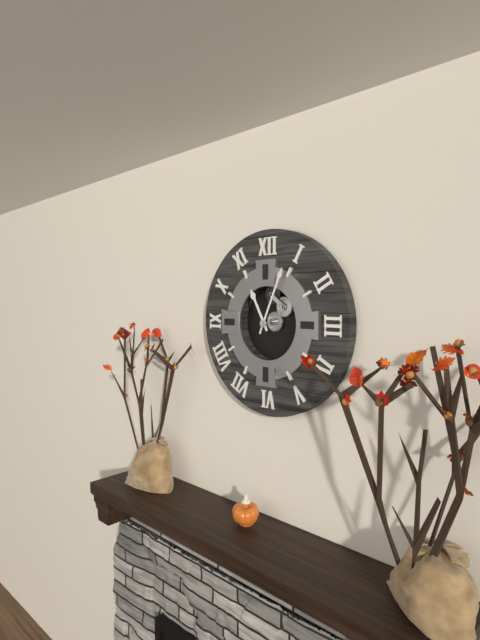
**11:04**
